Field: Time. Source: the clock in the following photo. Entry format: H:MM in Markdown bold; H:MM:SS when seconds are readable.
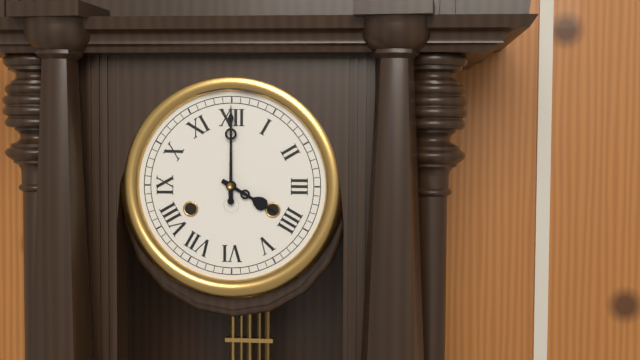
**4:00**
